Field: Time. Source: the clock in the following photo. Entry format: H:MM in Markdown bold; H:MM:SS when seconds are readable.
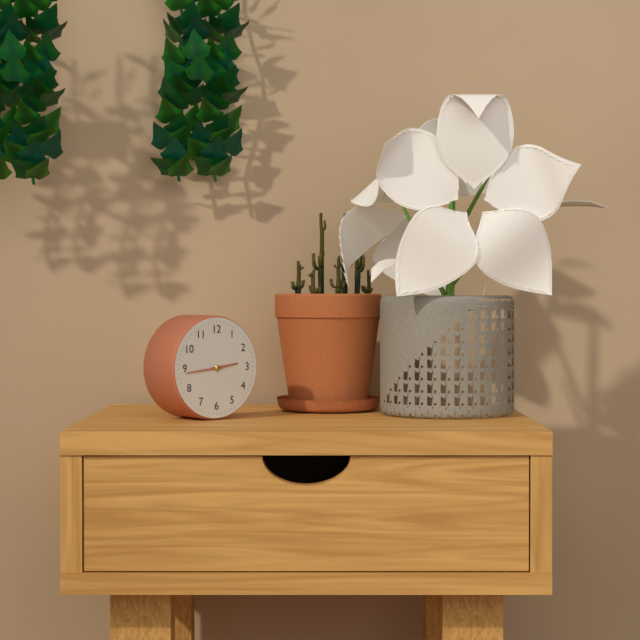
**2:44**
